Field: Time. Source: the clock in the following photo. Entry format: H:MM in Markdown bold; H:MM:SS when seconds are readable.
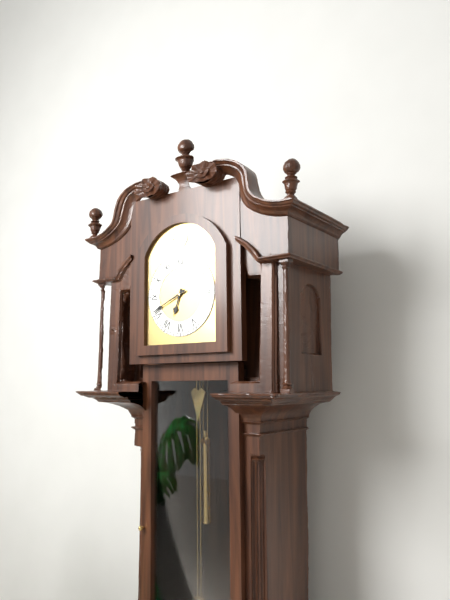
**6:41**
